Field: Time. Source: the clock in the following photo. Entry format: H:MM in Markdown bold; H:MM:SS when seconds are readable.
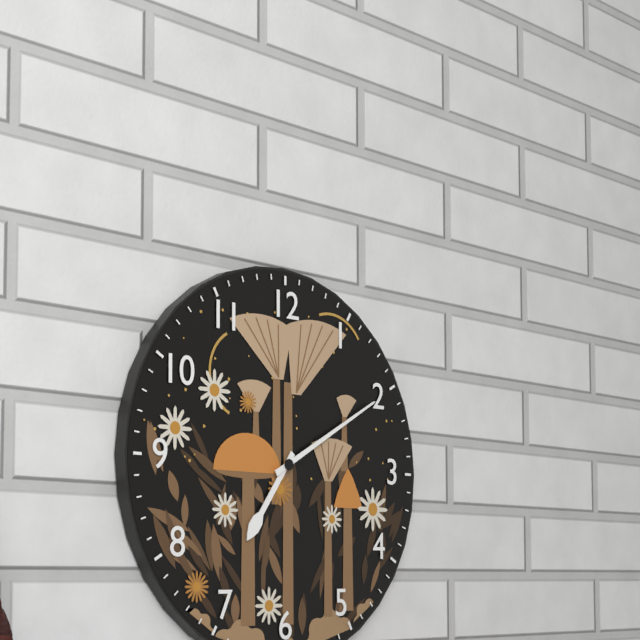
**7:10**
